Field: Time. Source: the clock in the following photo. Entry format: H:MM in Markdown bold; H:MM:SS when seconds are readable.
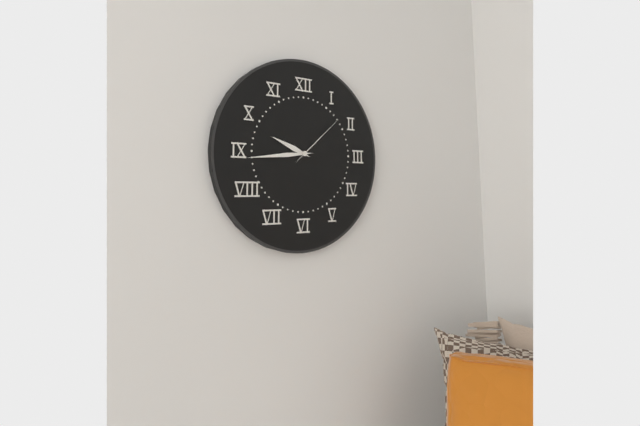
**9:44:08**
